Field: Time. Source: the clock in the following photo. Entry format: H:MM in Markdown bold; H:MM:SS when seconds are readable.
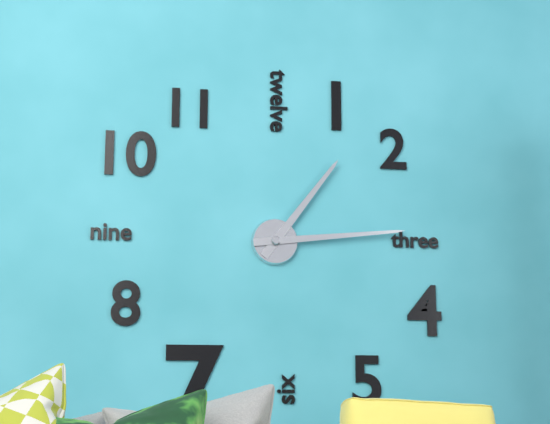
**1:14**
